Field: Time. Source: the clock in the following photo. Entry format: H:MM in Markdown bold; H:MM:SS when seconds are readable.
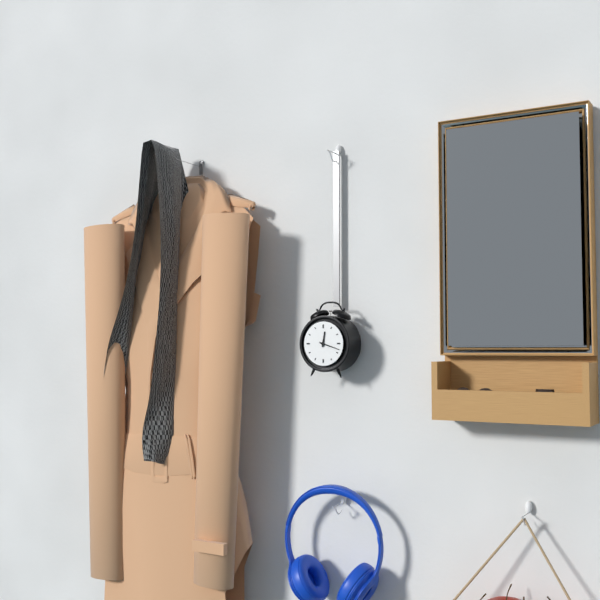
**12:18**
